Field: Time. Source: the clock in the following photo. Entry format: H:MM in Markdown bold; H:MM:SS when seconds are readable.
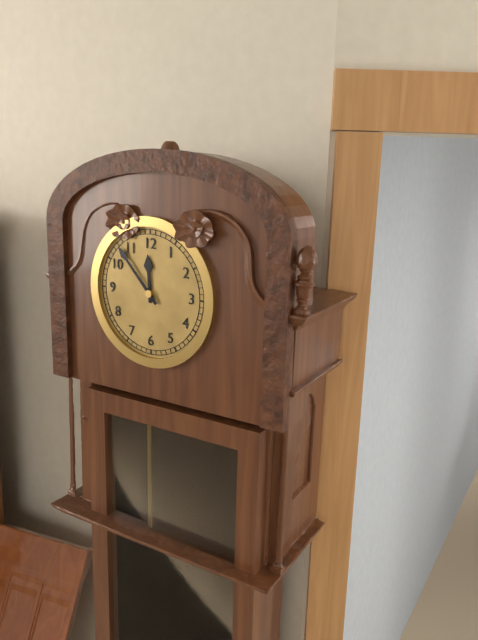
**11:53**
